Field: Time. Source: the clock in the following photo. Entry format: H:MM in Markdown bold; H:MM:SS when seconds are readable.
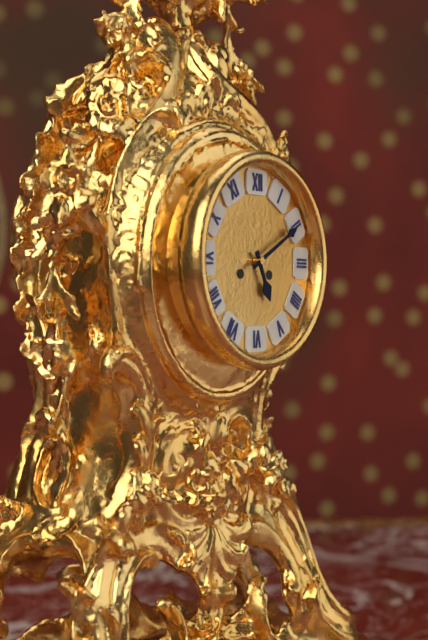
**5:10**
